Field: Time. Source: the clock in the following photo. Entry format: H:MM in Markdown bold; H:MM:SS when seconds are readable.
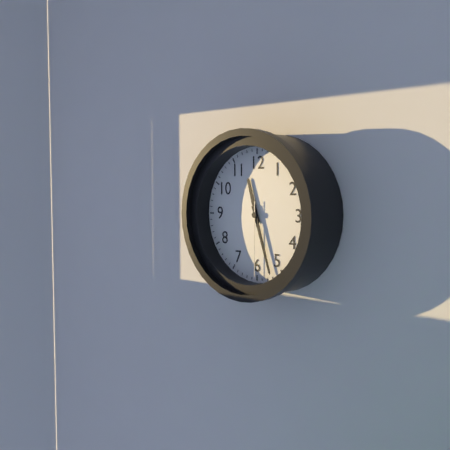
**11:27:30**
